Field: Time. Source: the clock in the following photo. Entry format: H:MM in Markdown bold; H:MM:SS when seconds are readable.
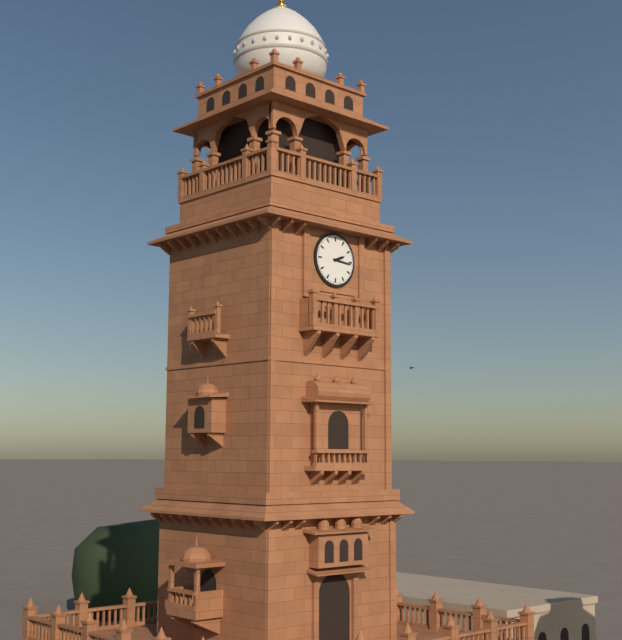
**2:16**
